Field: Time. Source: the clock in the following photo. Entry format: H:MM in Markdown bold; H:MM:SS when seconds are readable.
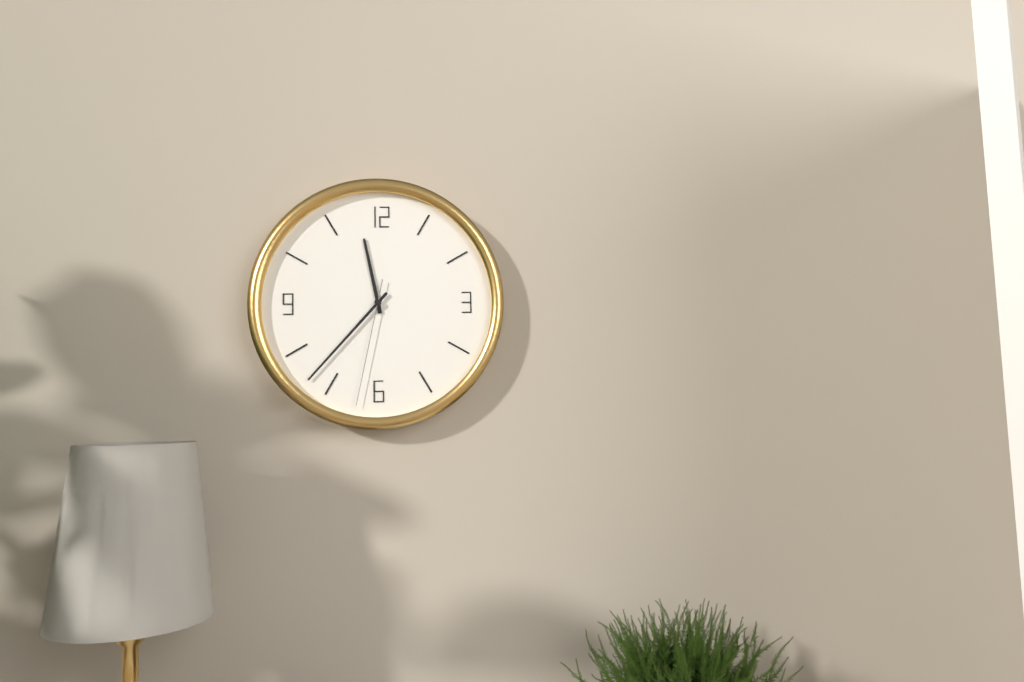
**11:37:32**
